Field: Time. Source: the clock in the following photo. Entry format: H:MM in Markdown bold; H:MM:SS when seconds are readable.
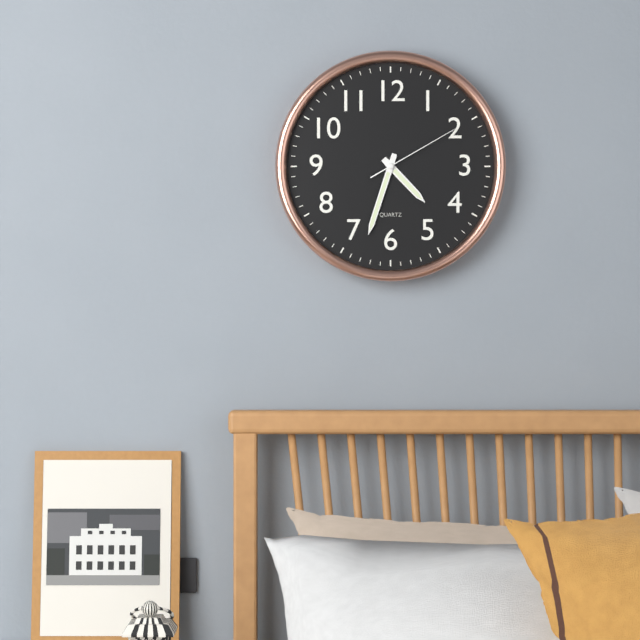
**4:33:10**
